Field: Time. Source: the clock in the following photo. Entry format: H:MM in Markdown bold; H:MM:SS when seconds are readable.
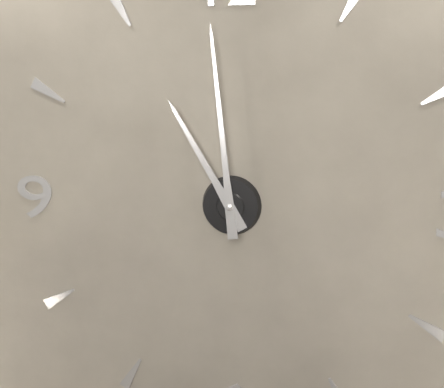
**10:59**
